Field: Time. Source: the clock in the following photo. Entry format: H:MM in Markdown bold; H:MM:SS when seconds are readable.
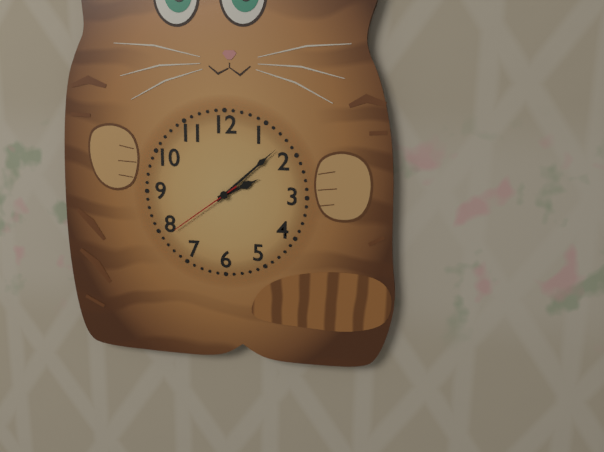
**2:08:39**
